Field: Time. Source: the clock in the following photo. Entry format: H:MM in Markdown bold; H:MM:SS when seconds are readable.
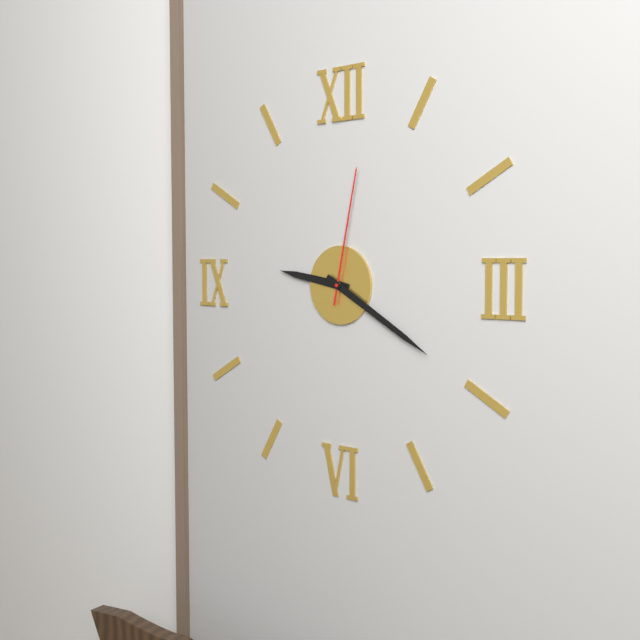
**9:20:02**
